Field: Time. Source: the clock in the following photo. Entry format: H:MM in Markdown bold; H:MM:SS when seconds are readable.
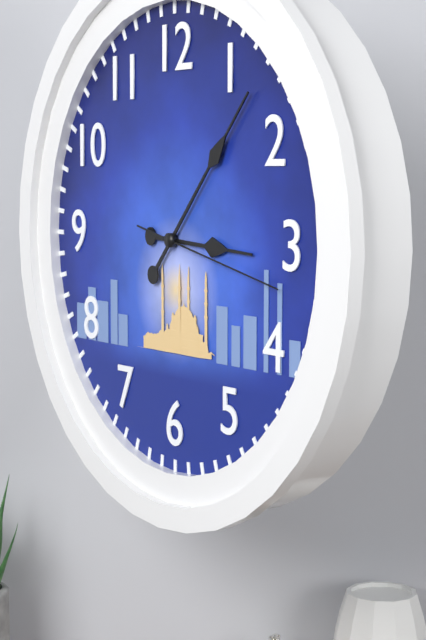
**3:07:17**
